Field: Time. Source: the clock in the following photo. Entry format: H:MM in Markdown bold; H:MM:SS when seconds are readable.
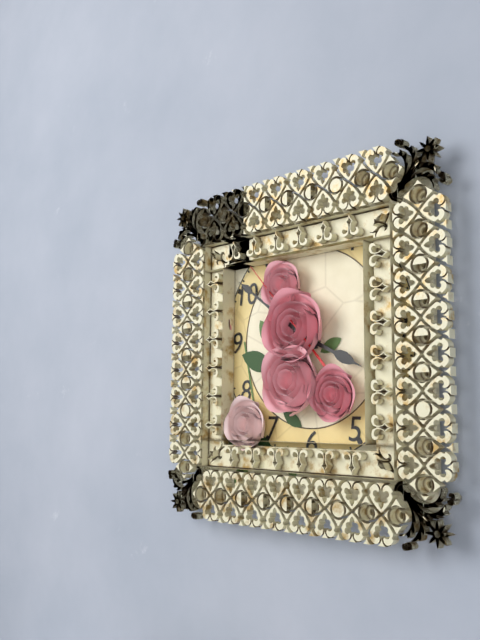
**3:51:53**
